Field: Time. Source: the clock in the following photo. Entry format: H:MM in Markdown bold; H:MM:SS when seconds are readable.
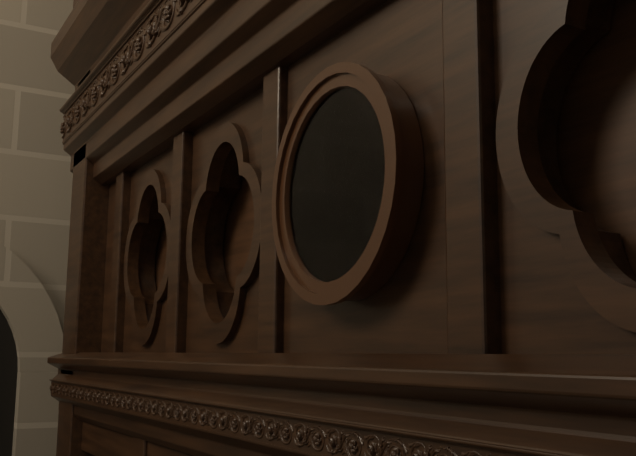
**8:13**
